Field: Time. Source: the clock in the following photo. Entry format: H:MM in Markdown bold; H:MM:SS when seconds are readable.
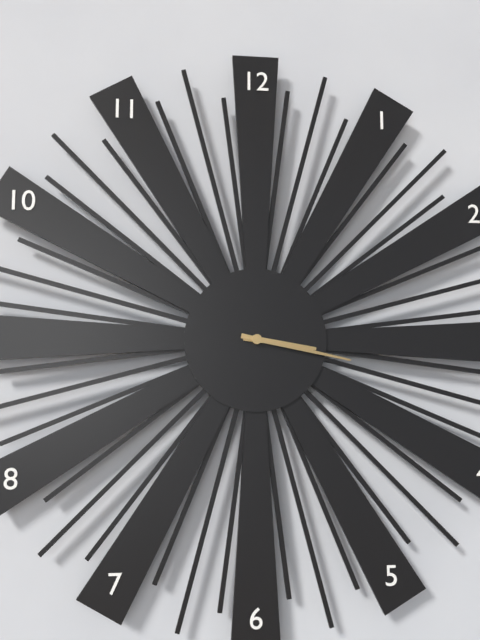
**3:17**
